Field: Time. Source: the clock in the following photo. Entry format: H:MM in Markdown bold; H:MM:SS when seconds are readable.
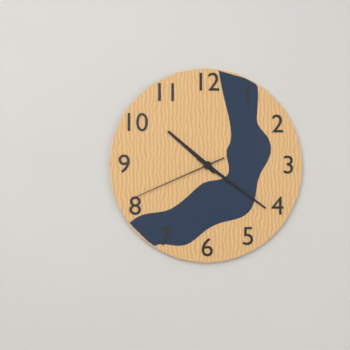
**10:21:41**
